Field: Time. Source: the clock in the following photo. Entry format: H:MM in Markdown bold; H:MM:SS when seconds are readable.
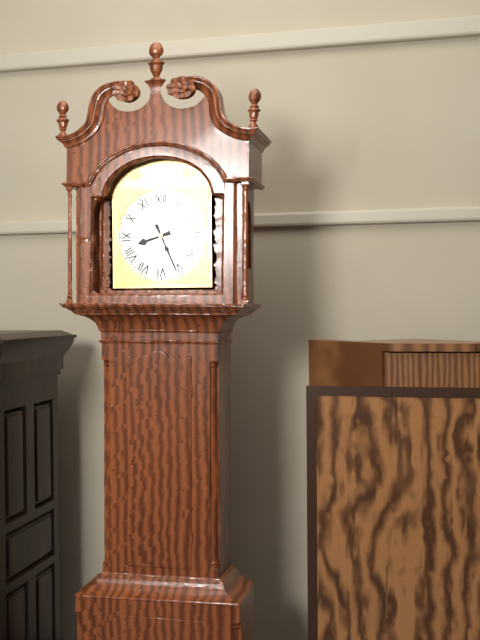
**8:26**
